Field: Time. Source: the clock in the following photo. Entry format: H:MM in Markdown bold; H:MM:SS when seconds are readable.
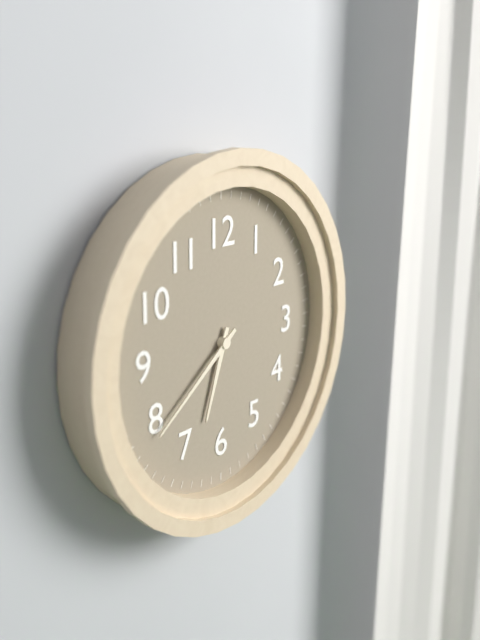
**6:39**
